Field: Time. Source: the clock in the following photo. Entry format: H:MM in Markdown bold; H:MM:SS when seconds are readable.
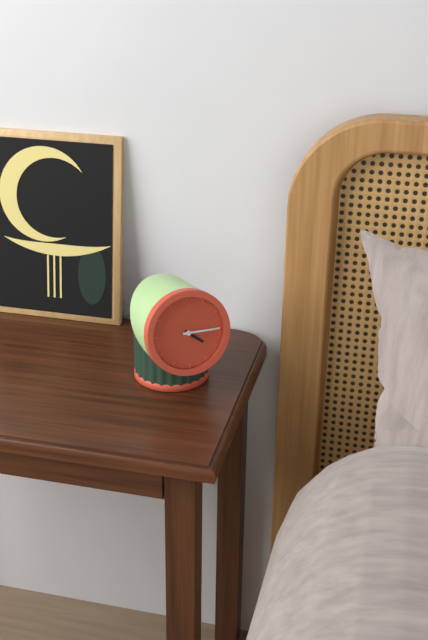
**4:15**
